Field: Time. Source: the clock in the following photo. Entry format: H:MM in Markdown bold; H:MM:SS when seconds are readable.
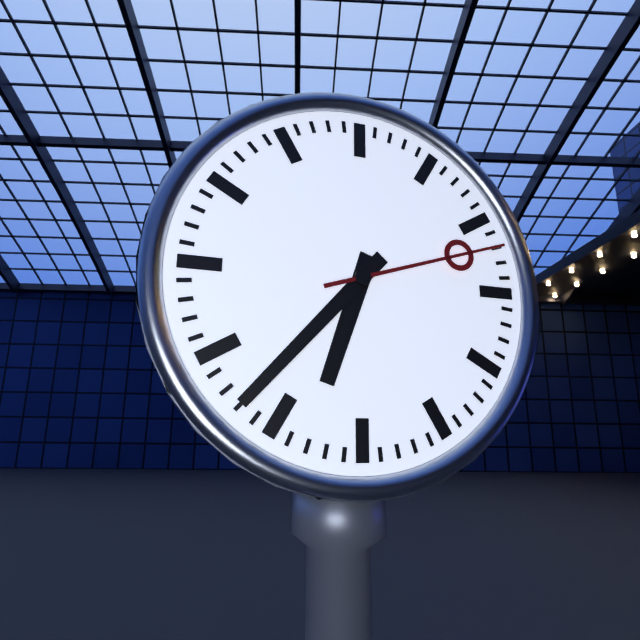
**6:37:12**
